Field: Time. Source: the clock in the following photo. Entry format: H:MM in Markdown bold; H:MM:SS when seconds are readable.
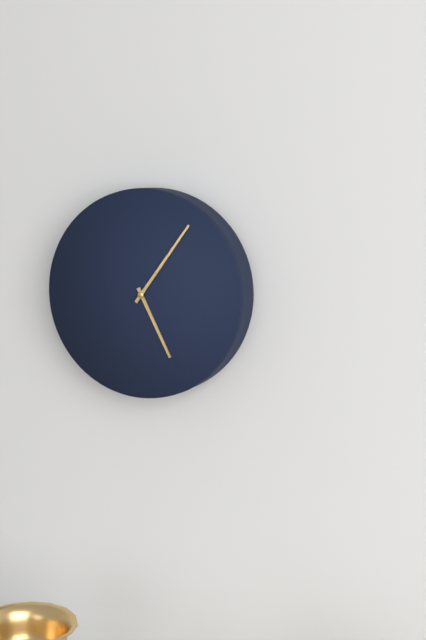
**5:06**
